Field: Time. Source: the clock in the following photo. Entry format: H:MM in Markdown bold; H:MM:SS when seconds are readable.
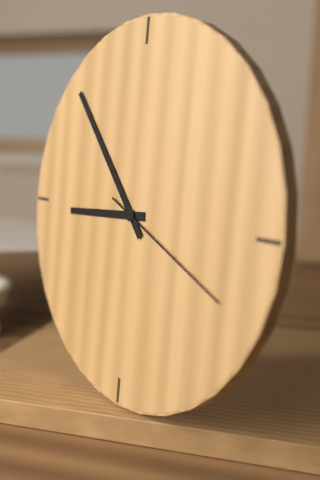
**8:53:19**
